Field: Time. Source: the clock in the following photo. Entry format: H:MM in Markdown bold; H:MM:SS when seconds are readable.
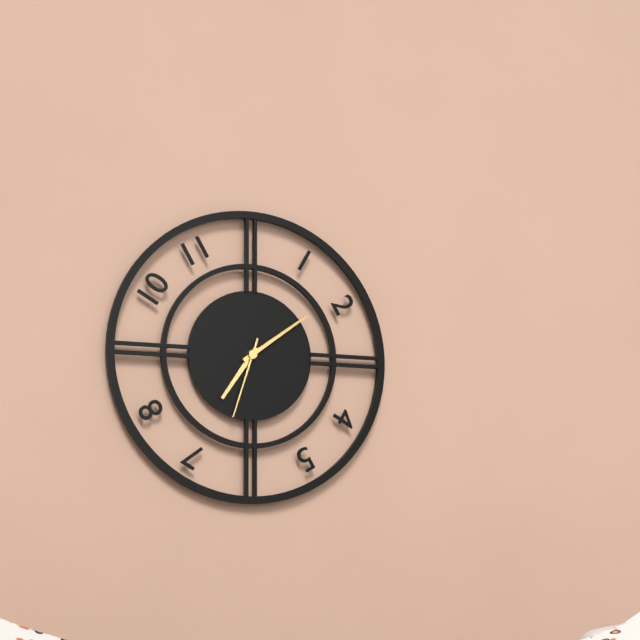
**7:09:33**
